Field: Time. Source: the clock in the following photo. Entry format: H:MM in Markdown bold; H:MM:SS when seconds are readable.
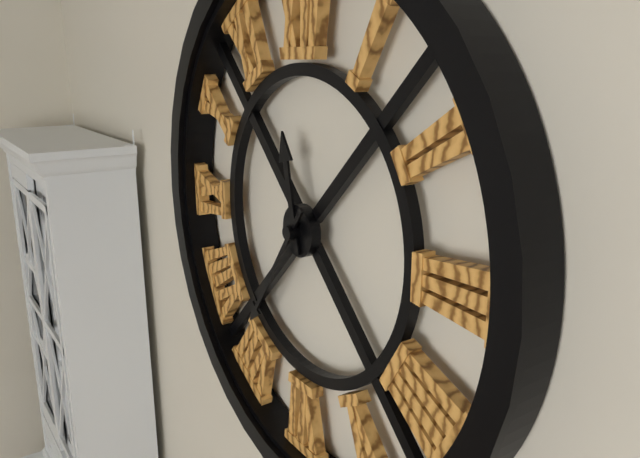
**11:36**
